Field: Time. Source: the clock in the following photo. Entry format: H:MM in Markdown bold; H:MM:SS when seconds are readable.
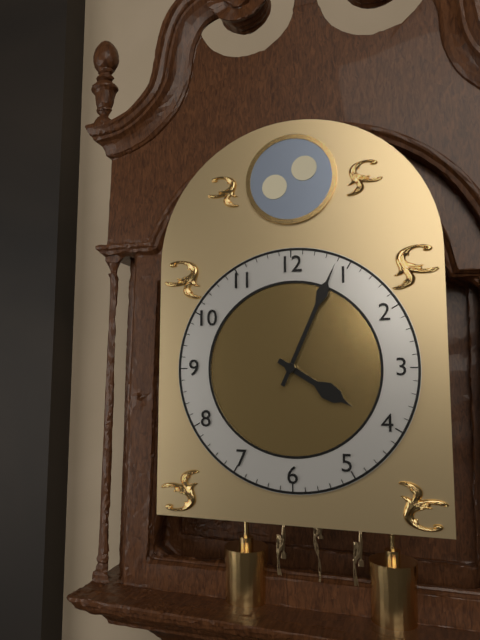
**4:04**
